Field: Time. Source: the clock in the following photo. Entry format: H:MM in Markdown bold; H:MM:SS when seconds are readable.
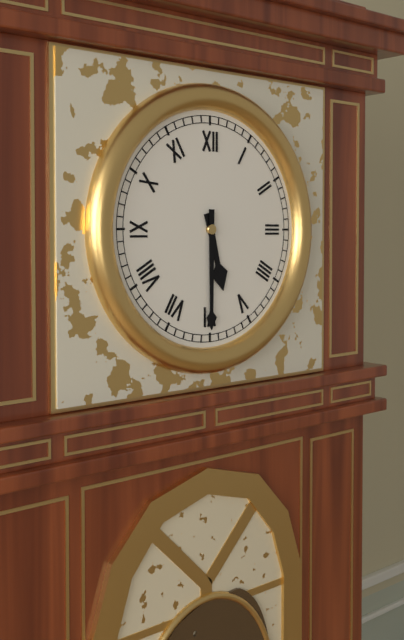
**5:30**
